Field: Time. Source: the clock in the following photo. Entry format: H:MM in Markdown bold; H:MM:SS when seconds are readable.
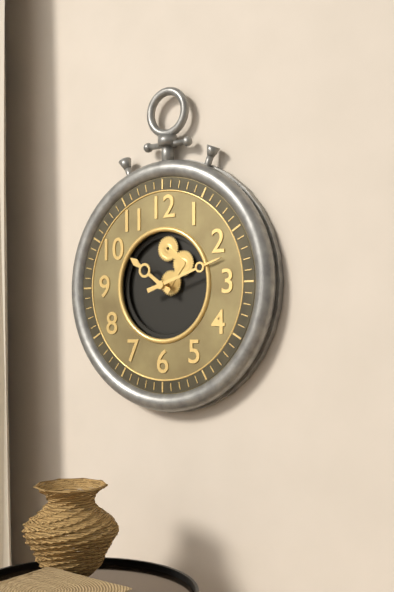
**10:12**
